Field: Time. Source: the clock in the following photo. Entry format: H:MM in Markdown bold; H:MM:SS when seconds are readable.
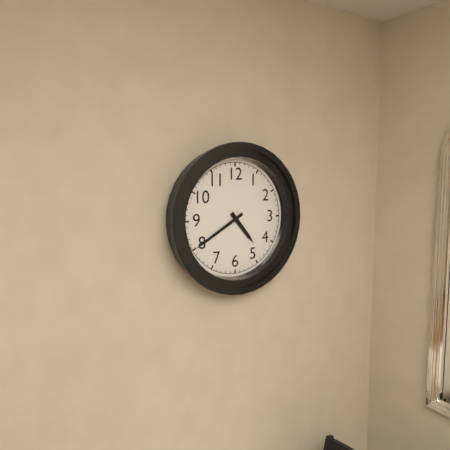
**4:40**
